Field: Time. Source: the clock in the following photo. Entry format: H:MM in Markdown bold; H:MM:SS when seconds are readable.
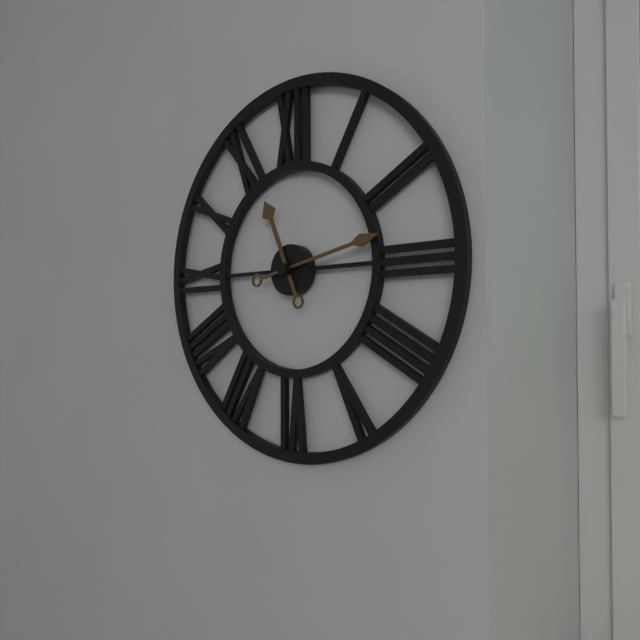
**11:13**
